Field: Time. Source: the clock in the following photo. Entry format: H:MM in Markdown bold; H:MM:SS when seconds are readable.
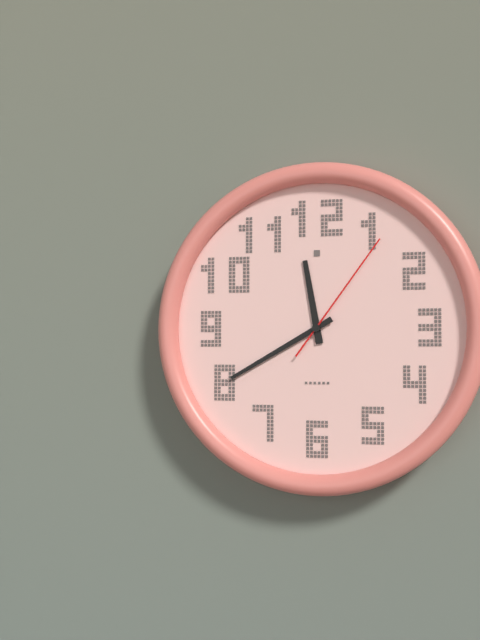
**11:40:06**
